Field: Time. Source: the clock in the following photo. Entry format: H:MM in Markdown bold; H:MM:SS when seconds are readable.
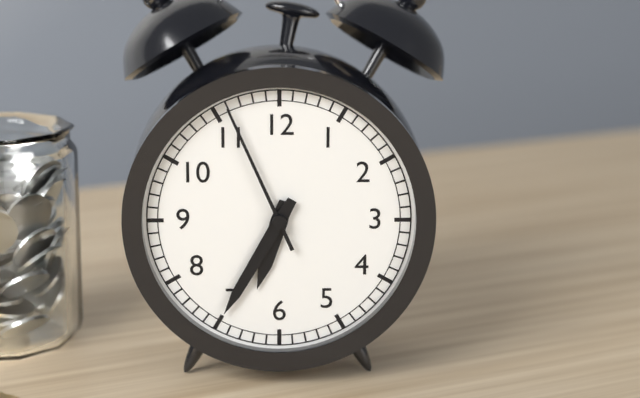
**6:35:56**
